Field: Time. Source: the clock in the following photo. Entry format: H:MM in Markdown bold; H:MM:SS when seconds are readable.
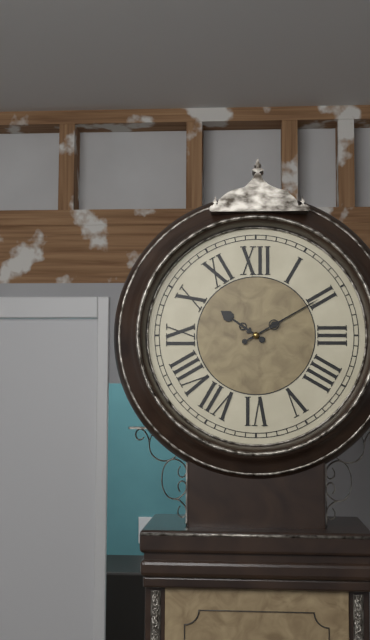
**10:10**
